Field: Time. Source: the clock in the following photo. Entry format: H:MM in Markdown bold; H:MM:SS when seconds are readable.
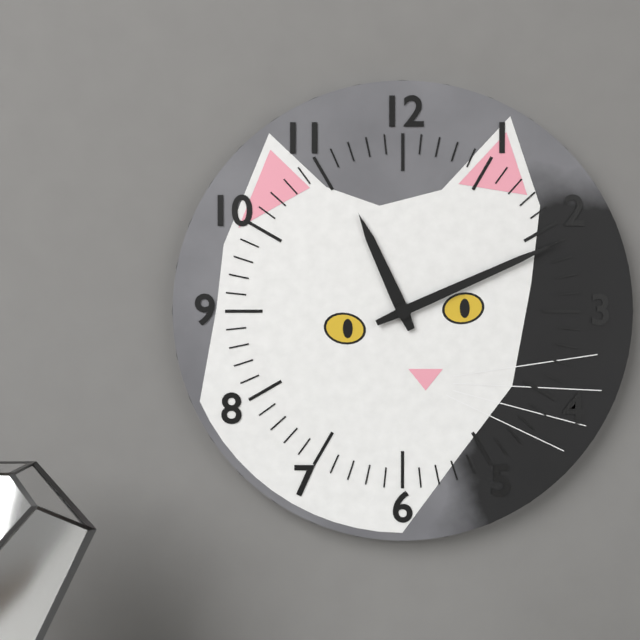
**11:11**
